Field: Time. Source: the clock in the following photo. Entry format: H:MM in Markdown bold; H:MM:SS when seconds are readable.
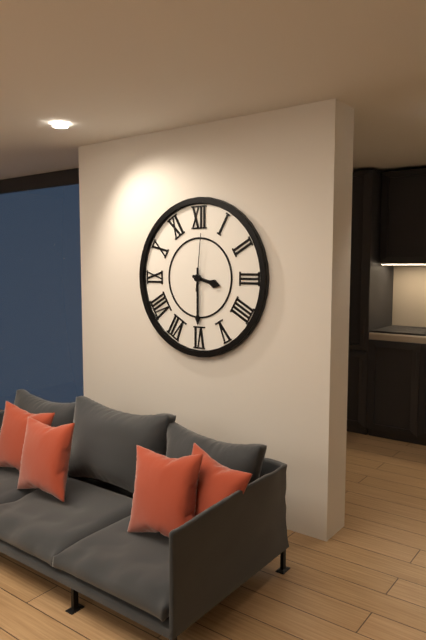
**3:30:01**
